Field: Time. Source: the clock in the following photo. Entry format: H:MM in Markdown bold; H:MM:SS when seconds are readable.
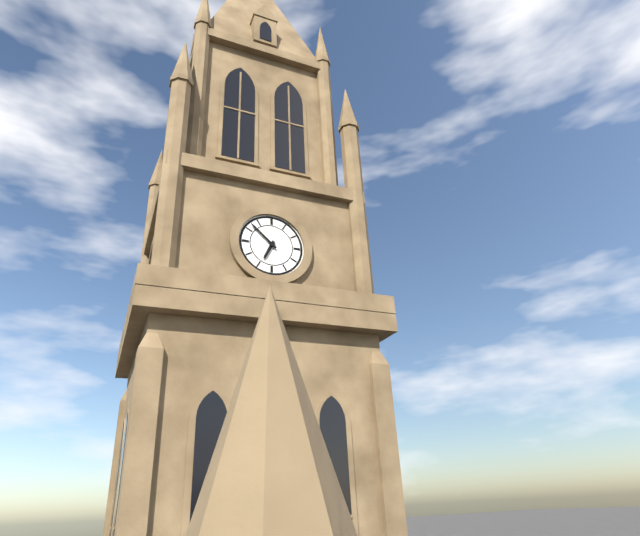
**6:52**
